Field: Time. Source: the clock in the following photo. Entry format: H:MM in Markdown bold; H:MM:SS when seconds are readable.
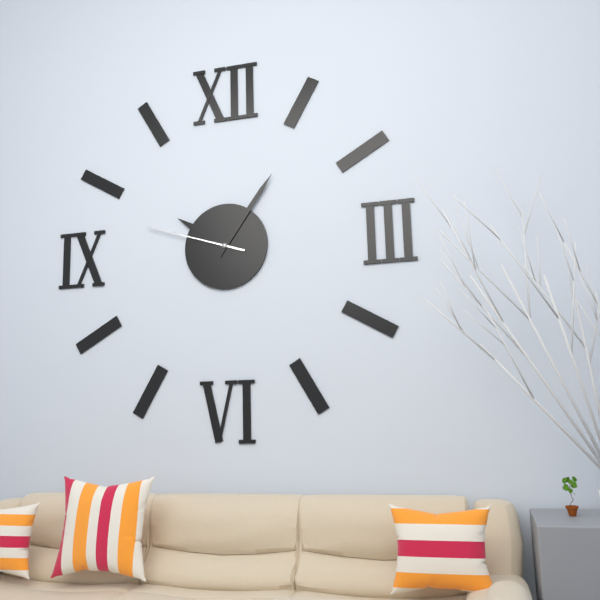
**10:06:48**
